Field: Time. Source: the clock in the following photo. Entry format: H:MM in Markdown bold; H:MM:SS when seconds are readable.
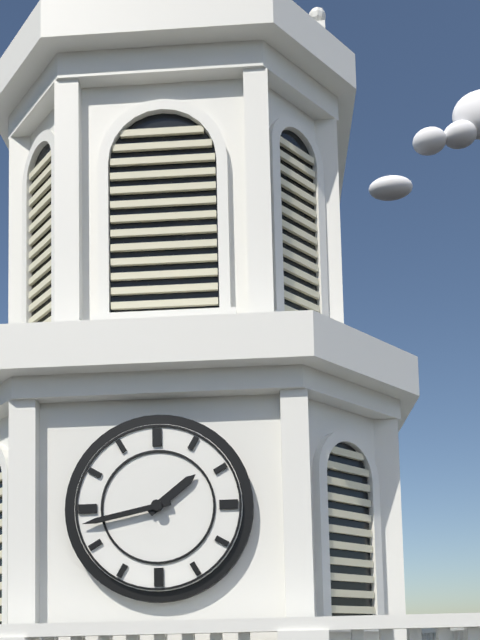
**1:43**
